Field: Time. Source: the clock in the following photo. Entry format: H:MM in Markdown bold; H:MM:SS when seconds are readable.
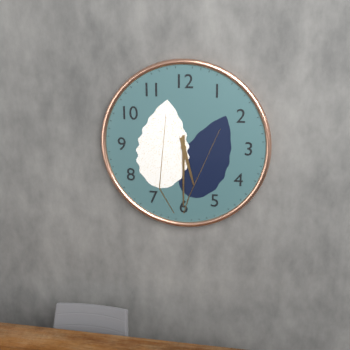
**5:30**
